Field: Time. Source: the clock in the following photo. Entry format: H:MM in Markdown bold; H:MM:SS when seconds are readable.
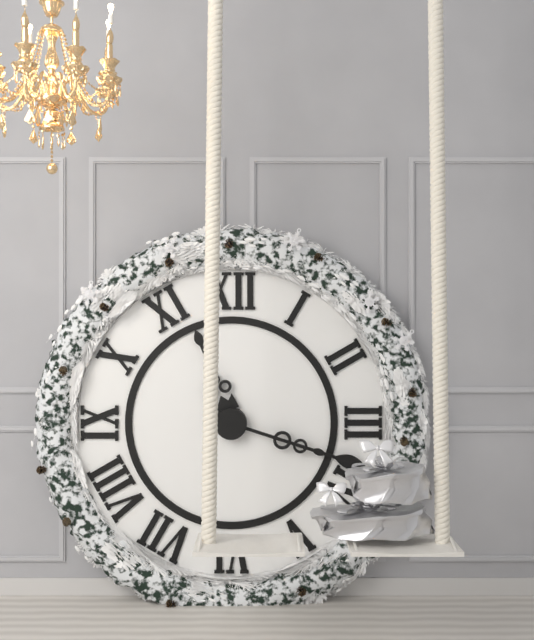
**11:18**
